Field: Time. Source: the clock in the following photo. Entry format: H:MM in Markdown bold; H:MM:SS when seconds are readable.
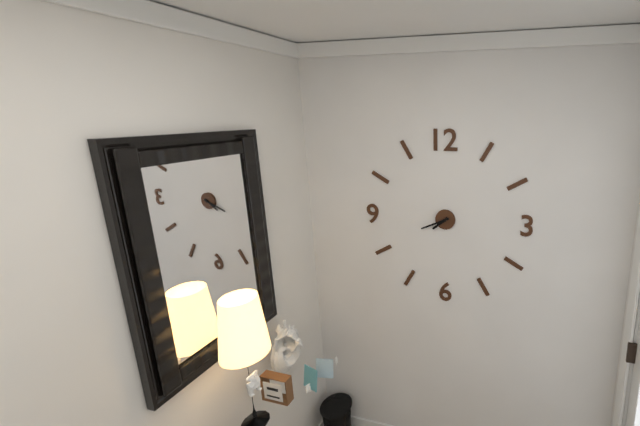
**7:41**
